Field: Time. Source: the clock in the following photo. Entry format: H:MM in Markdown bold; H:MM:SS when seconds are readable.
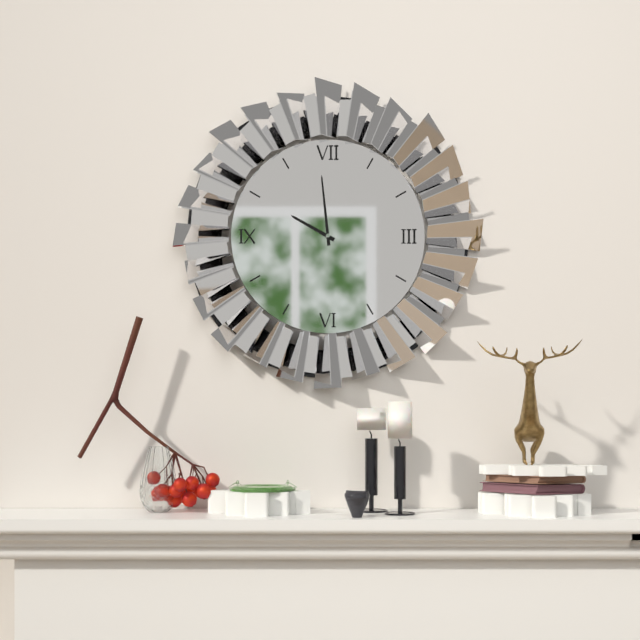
**9:59**
